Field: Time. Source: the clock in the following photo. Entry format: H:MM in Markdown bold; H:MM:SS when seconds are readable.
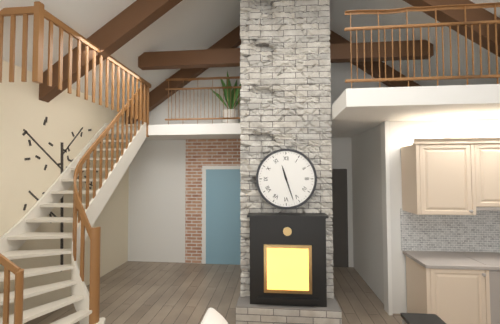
**11:27**
